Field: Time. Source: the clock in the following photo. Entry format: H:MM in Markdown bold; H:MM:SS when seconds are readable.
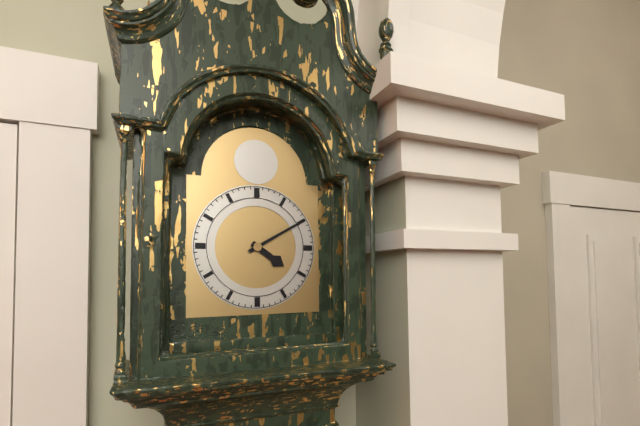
**4:10**
